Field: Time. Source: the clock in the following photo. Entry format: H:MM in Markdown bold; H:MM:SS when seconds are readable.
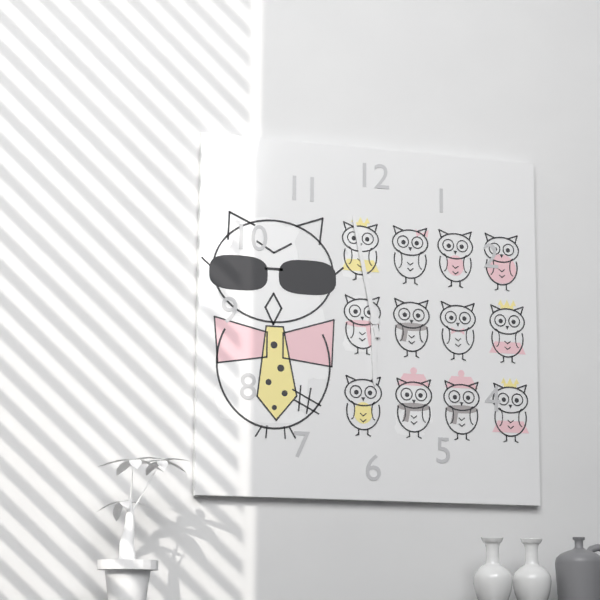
**5:58**
